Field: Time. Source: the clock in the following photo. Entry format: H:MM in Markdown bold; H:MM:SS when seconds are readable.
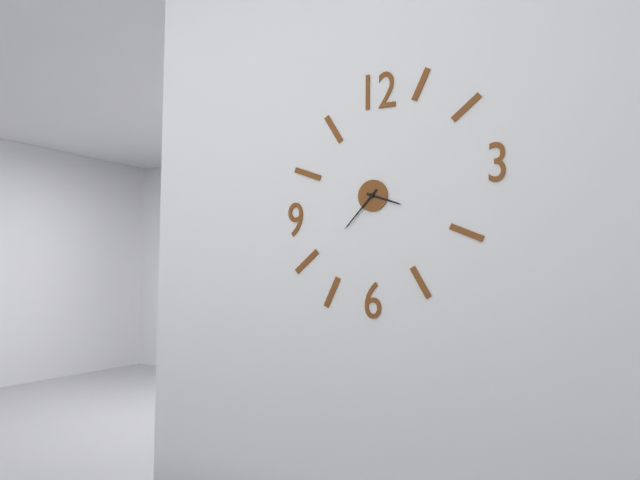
**3:37**
